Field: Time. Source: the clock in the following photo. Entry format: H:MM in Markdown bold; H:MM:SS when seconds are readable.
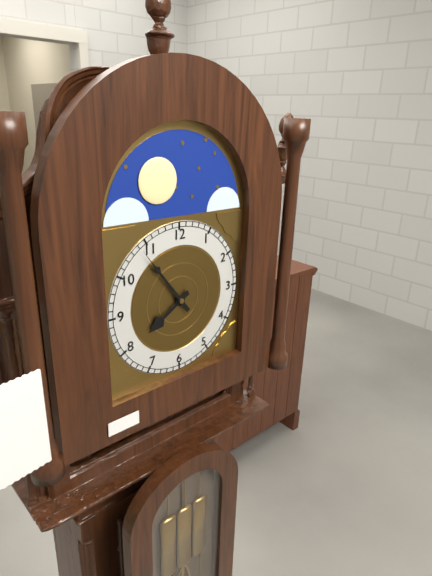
**7:54**
